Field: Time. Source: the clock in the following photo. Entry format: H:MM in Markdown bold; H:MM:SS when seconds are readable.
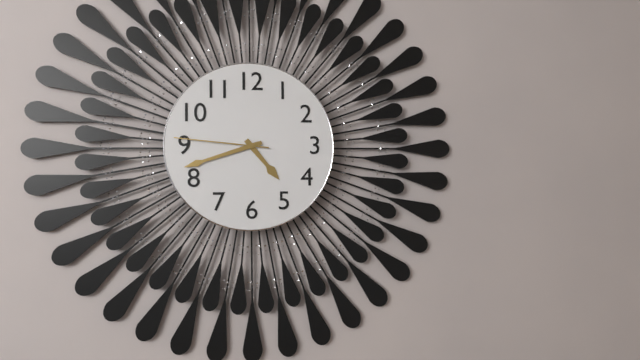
**4:42:46**
